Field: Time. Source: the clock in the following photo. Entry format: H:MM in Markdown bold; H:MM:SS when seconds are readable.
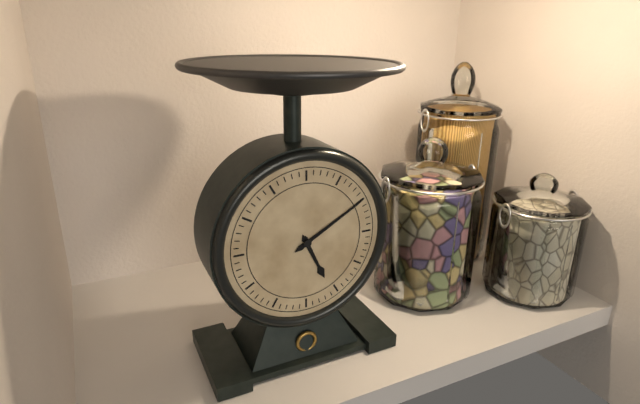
**5:10**
